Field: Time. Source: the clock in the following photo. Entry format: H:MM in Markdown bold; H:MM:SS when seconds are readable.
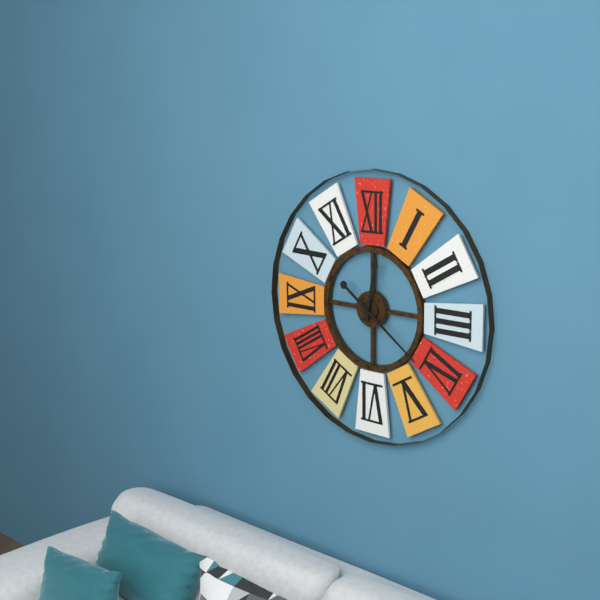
**12:21**
